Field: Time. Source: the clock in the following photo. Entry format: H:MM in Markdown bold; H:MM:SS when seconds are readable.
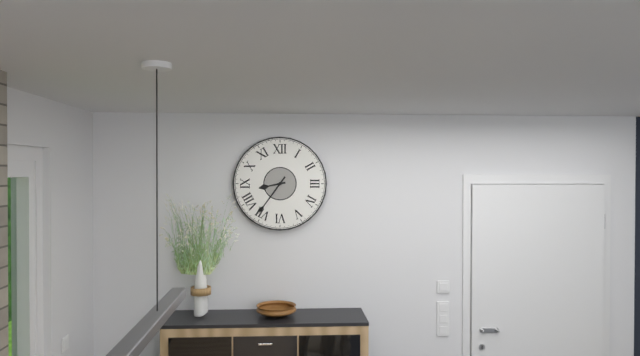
**8:36**
